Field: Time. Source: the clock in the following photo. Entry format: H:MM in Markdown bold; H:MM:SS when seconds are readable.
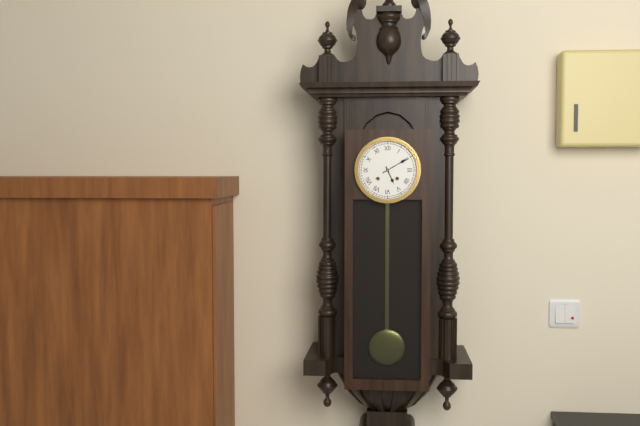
**5:10**
